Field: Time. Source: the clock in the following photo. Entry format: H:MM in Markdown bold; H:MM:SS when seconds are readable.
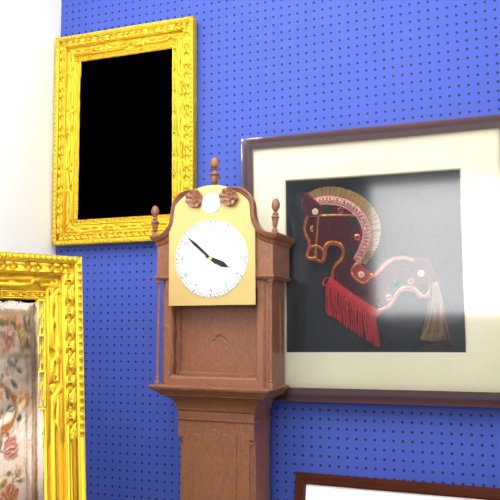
**3:52**
